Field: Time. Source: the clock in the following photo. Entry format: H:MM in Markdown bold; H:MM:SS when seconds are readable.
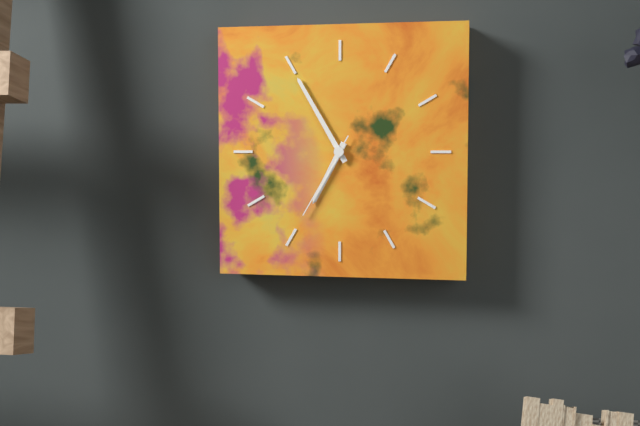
**6:55:35**
